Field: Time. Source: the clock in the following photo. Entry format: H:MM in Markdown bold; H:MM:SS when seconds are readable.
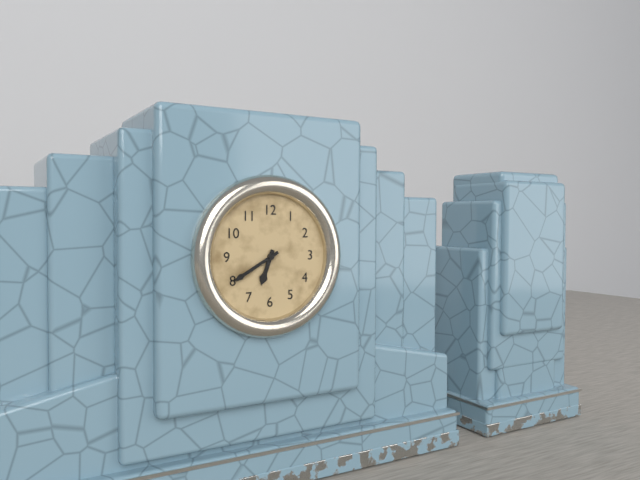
**6:40**
